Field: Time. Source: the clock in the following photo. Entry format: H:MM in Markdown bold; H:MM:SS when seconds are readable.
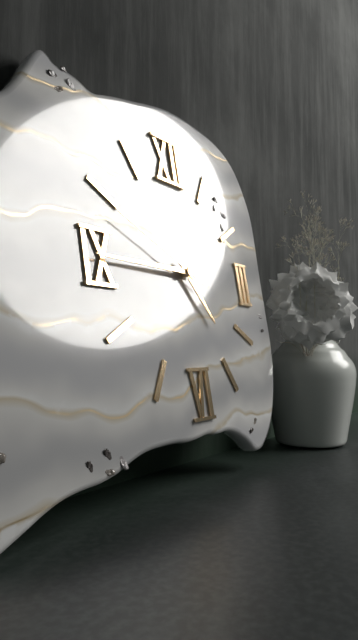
**4:45:49**
